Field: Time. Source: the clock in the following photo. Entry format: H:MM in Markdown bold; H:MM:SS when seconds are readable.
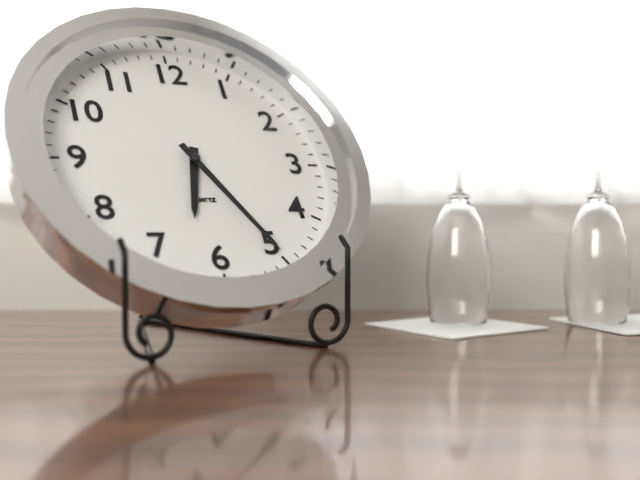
**6:25**
